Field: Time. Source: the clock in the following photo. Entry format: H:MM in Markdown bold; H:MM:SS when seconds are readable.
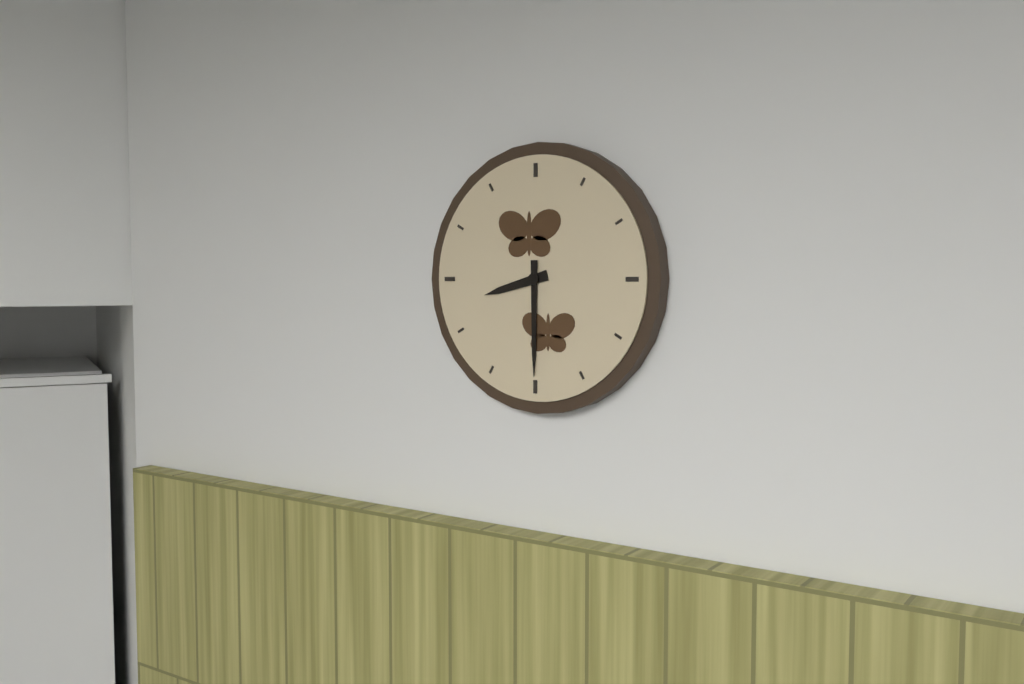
**8:30**
